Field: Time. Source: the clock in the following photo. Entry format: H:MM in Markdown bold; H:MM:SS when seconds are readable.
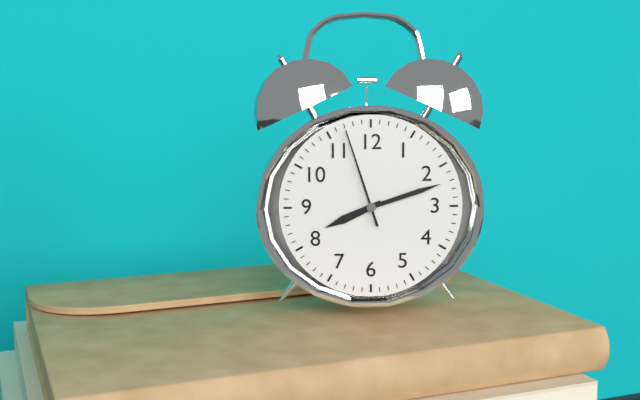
**8:12:57**
